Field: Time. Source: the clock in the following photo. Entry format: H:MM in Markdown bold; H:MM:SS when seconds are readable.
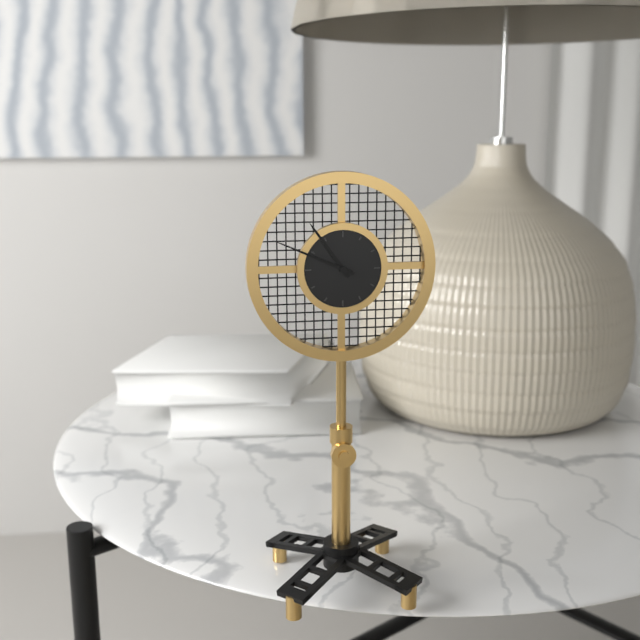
**10:49**
